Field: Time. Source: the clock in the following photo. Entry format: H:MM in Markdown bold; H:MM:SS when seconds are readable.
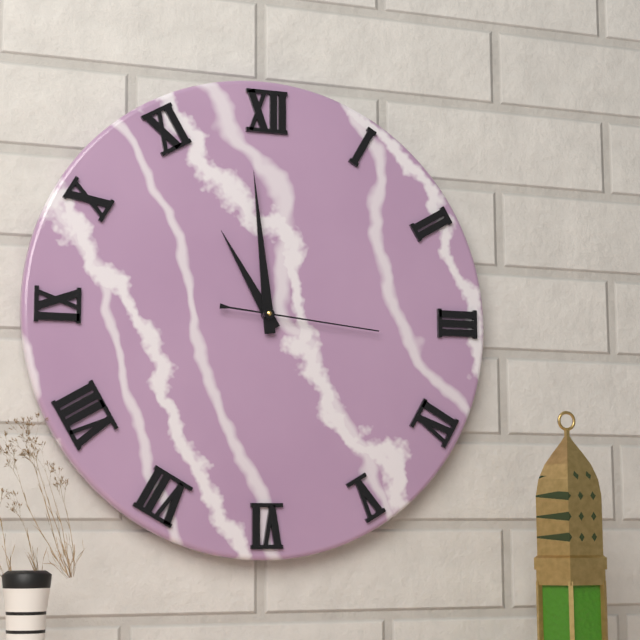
**10:59:16**
